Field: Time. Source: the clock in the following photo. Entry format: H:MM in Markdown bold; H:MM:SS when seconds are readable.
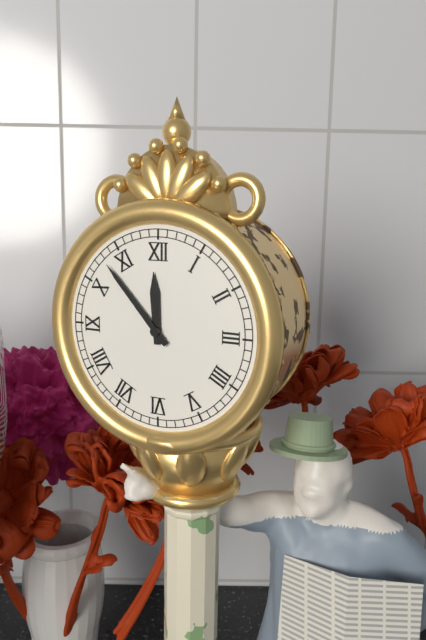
**11:53**
